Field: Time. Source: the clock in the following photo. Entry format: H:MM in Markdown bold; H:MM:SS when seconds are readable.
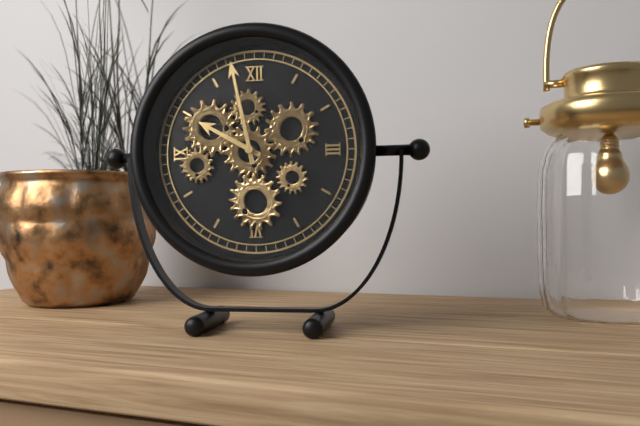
**9:58**
